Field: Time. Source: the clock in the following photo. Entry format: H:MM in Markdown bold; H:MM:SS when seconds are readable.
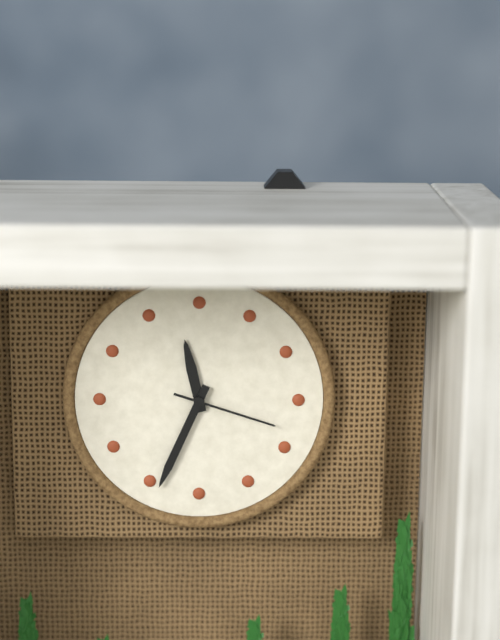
**11:34:18**
